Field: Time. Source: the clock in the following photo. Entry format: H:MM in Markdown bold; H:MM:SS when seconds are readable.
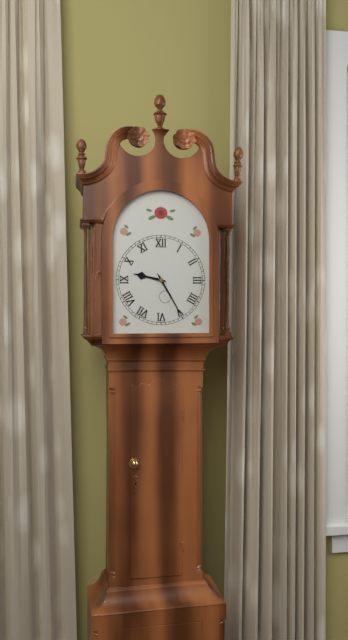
**9:25**
